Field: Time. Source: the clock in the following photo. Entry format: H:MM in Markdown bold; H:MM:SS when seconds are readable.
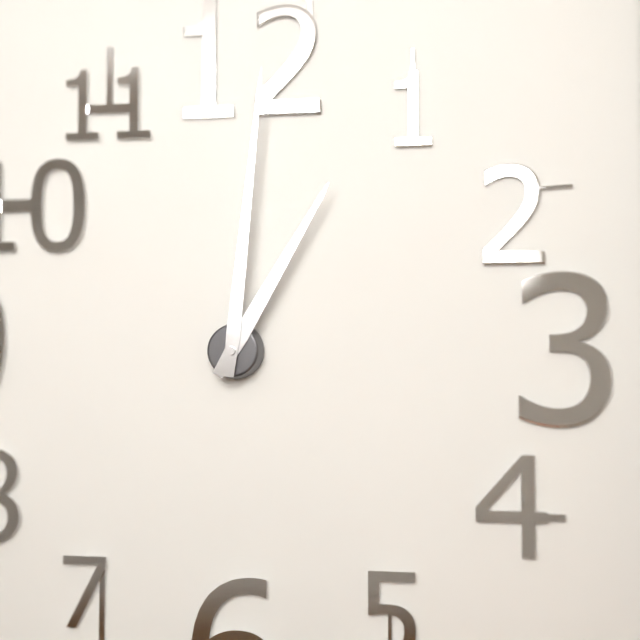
**1:01**
